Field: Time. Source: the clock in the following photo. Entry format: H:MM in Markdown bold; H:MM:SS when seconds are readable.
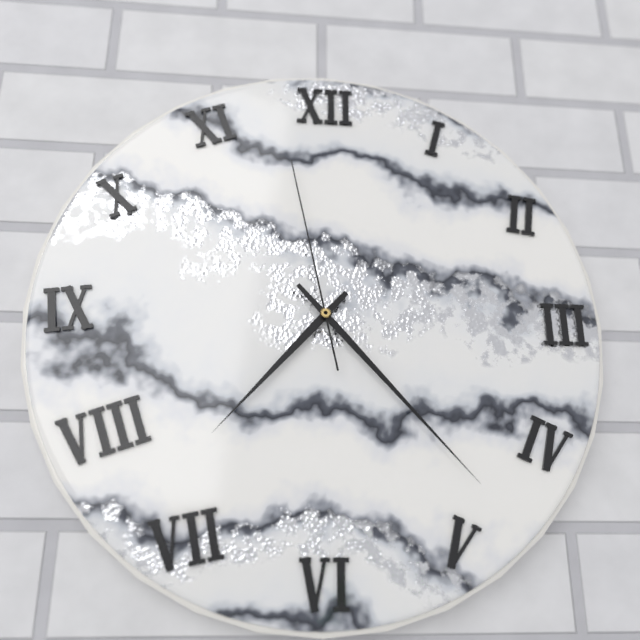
**7:23:58**
